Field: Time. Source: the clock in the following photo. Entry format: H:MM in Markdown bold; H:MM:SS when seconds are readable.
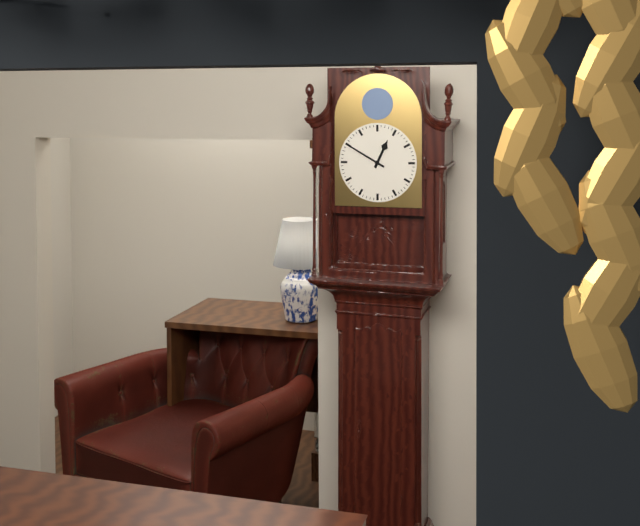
**12:50**
